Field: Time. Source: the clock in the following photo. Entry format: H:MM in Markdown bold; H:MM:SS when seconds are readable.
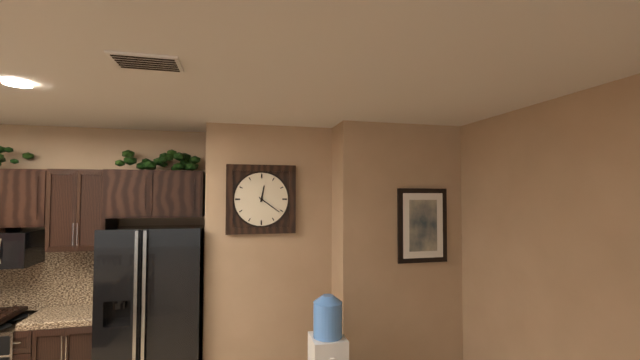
**12:21**
